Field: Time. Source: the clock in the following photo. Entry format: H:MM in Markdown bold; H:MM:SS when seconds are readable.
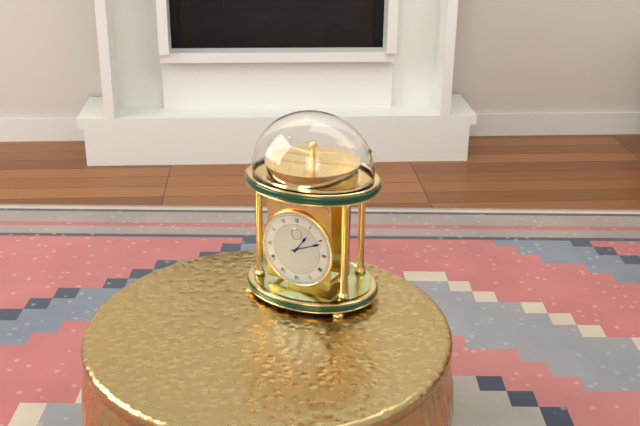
**1:11**
